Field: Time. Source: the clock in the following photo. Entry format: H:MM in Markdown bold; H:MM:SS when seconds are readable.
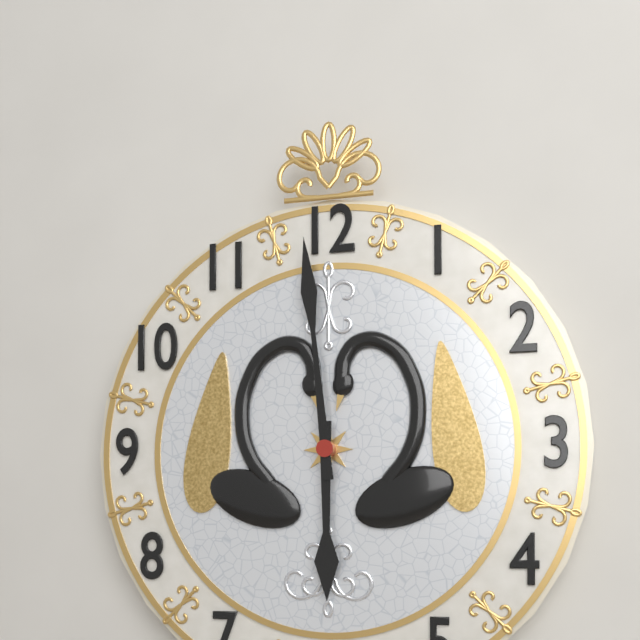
**5:59**
